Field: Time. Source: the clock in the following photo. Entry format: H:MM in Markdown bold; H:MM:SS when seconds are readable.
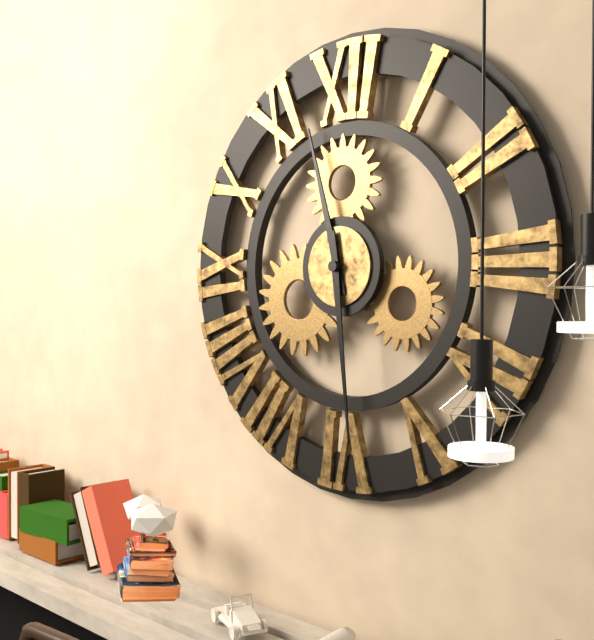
**11:29**
